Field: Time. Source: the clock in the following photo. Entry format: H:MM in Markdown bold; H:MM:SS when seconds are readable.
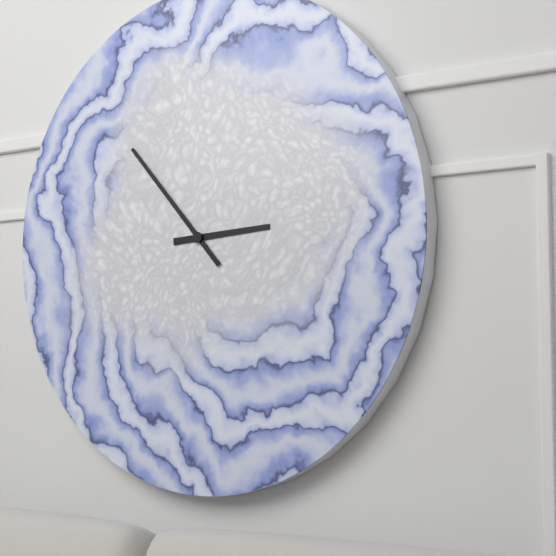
**2:53**
